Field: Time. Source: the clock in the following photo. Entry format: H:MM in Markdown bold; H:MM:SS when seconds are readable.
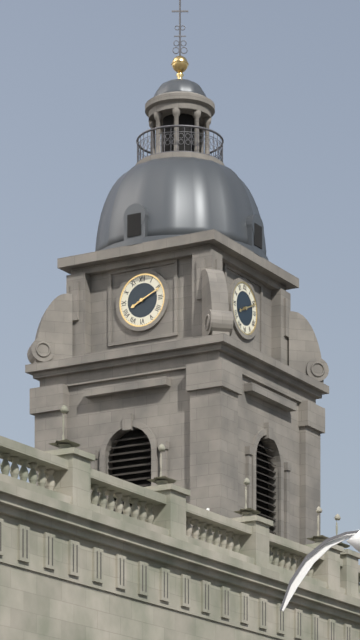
**8:11**
